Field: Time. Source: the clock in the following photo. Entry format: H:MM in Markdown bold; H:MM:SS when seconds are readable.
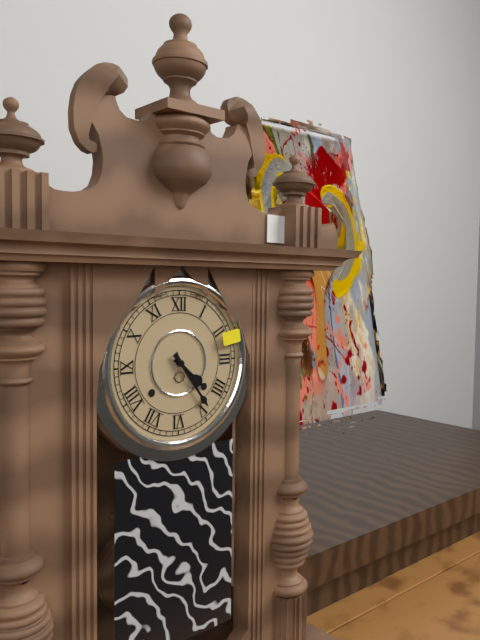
**4:24**
